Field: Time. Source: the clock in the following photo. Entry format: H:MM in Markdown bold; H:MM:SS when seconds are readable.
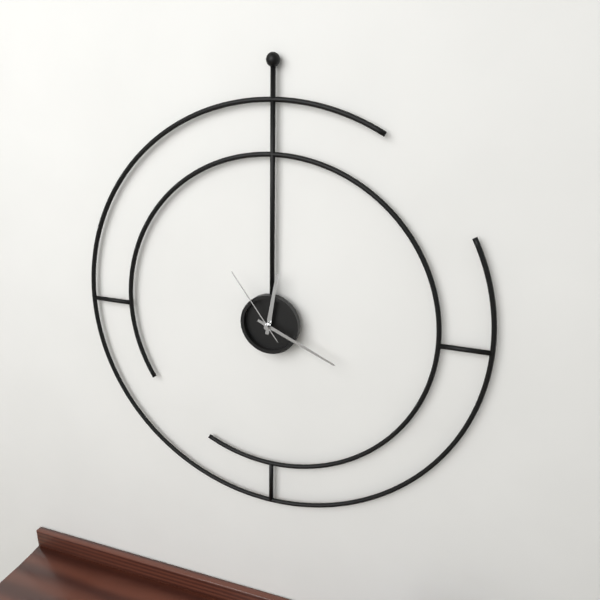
**12:19:54**
